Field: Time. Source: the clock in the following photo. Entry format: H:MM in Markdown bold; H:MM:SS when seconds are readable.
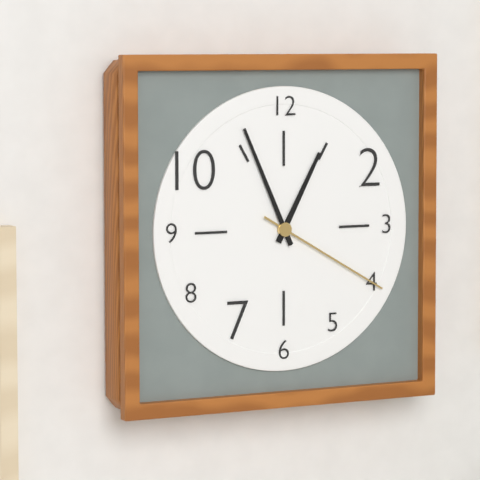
**12:56:20**
